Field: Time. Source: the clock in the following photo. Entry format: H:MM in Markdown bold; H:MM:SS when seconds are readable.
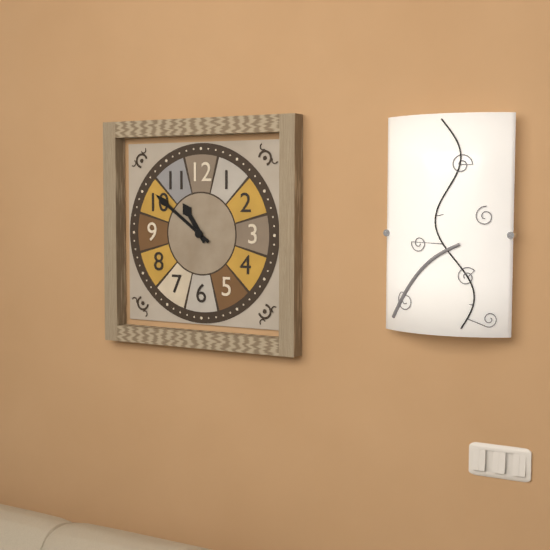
**10:51**
